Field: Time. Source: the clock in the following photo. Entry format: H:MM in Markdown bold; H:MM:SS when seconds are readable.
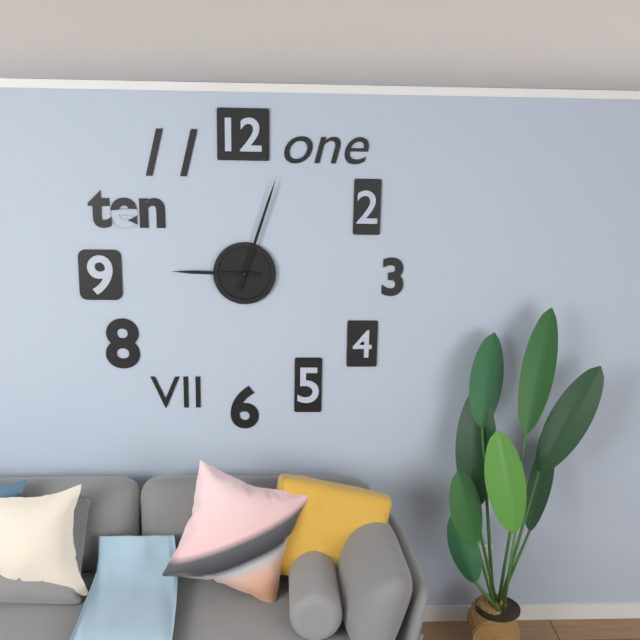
**9:03**
